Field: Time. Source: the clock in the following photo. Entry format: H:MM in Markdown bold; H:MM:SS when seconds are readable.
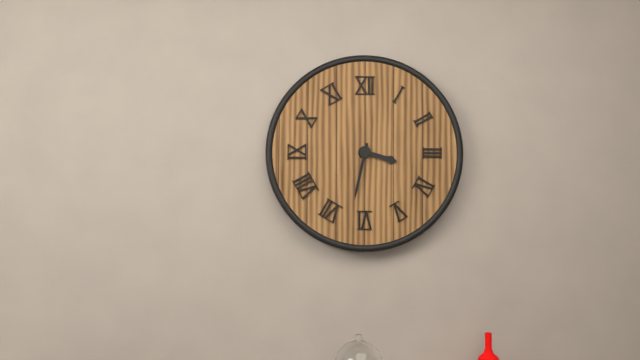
**3:32**
